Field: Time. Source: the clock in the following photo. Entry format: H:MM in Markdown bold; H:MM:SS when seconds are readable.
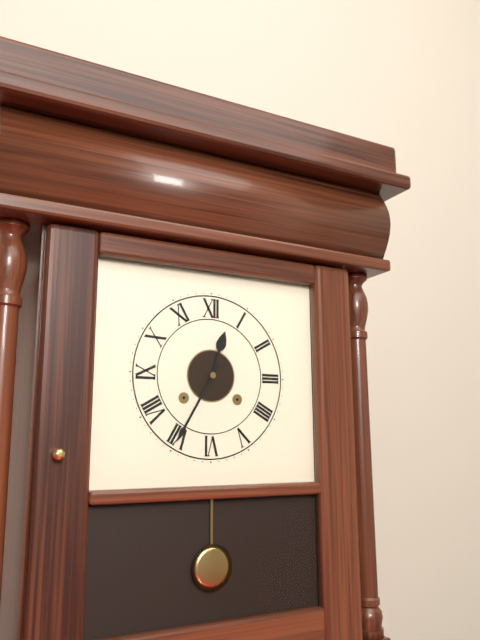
**12:35**
